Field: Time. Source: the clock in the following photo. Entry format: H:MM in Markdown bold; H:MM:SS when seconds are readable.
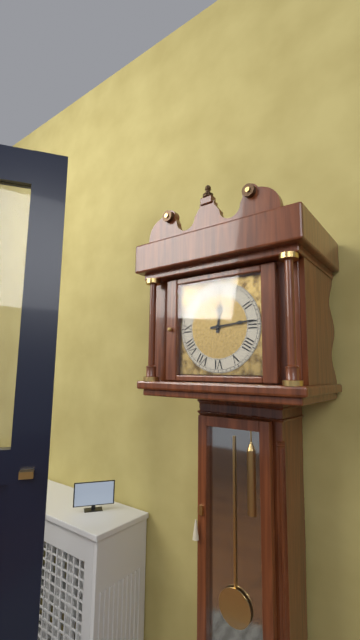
**12:14**
